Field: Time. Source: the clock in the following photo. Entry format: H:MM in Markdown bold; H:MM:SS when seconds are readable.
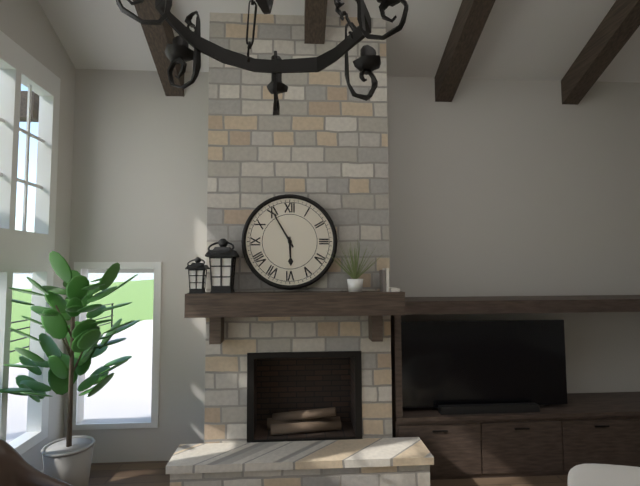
**5:55**
